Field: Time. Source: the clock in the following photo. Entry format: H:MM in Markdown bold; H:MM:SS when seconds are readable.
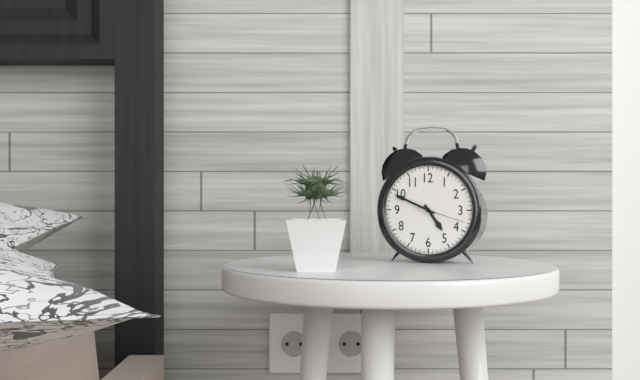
**4:49**
